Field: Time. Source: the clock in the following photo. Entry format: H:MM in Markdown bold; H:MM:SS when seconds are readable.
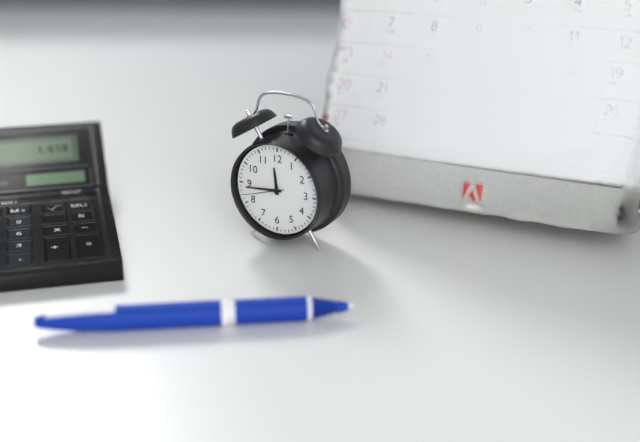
**11:44**
